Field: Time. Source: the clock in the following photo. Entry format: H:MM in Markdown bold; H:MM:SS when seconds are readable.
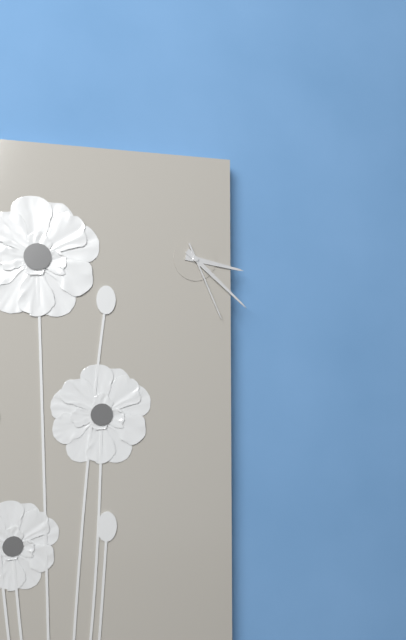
**3:22:26**
